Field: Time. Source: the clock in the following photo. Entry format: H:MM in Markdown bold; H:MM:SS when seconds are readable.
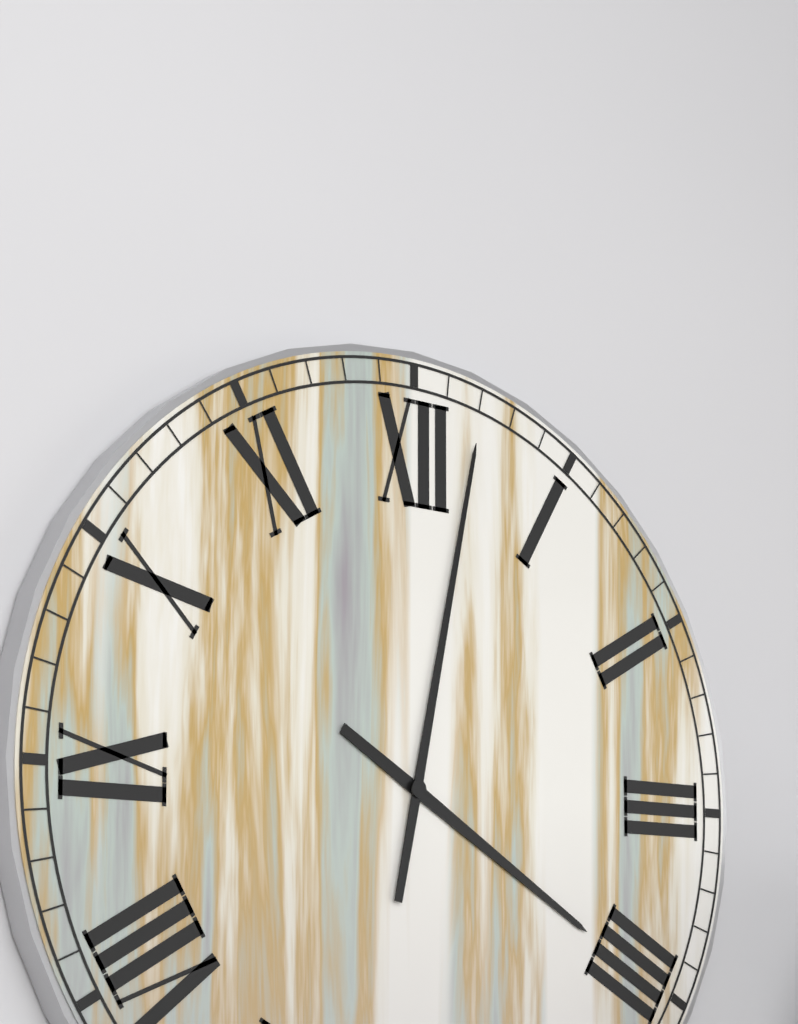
**4:02**
